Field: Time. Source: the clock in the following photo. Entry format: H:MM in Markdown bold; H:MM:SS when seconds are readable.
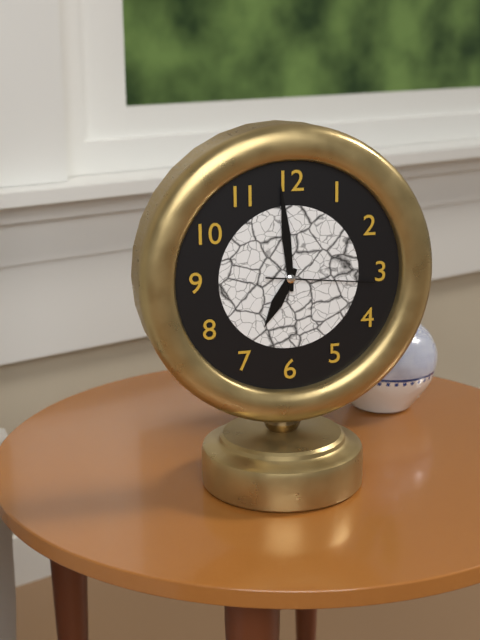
**6:59:16**
